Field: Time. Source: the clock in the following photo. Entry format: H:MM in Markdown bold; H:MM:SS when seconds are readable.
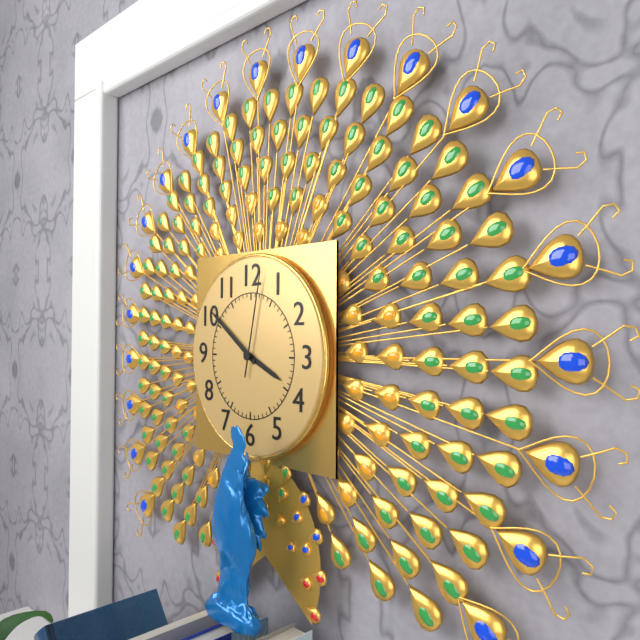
**3:51:02**
